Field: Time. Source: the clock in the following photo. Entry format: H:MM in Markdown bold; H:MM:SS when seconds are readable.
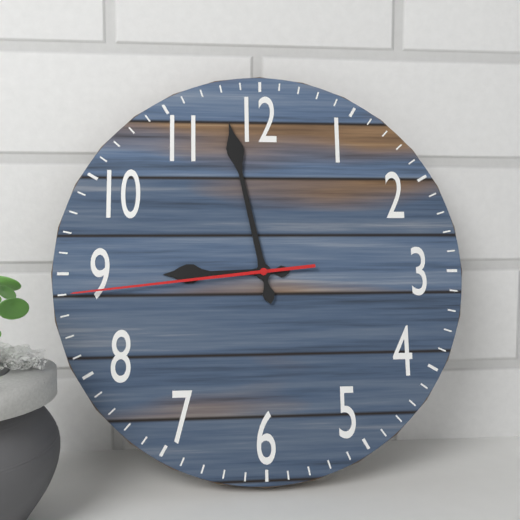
**8:58:44**
